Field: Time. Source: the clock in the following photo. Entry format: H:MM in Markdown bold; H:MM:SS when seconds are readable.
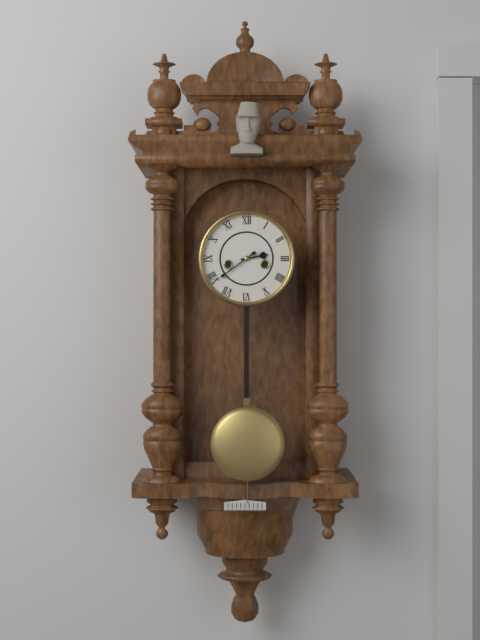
**2:39**
